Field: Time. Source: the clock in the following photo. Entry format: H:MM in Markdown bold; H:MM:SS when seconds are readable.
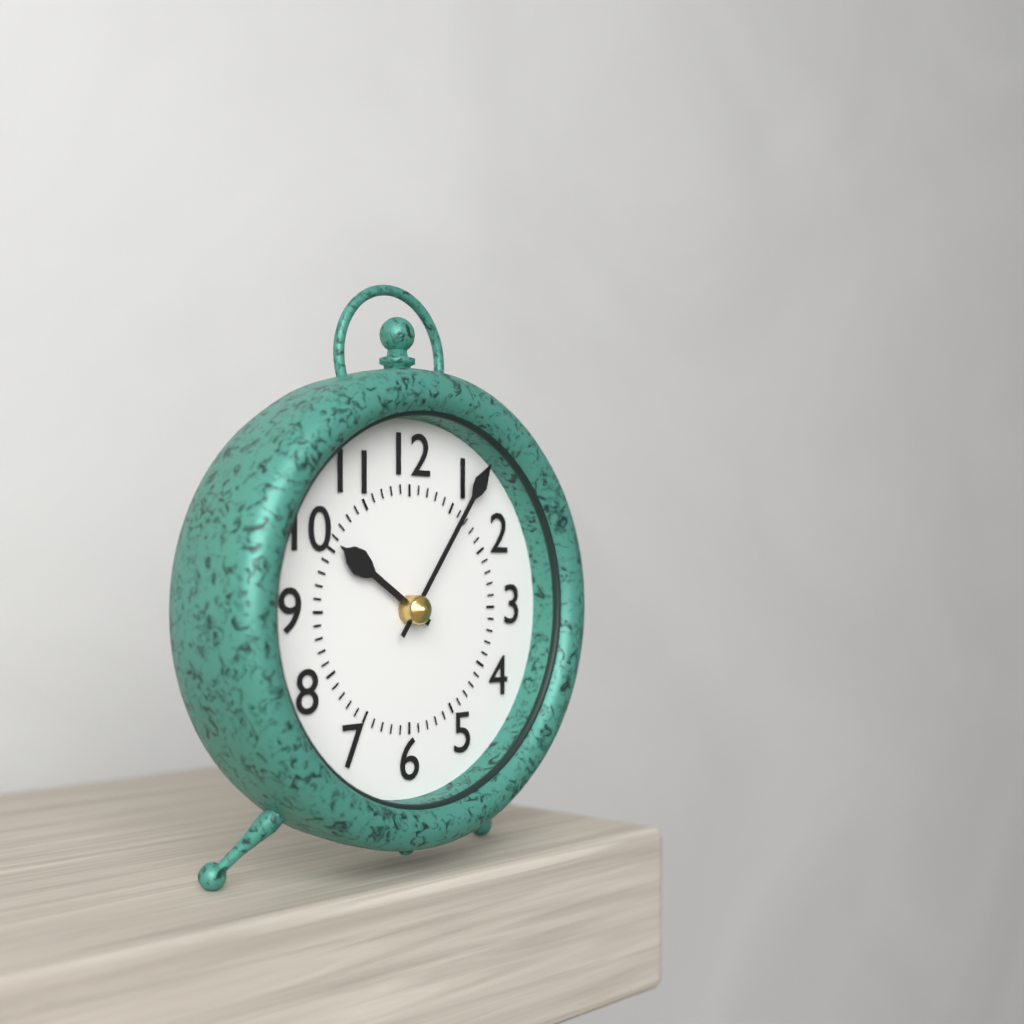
**10:06**
